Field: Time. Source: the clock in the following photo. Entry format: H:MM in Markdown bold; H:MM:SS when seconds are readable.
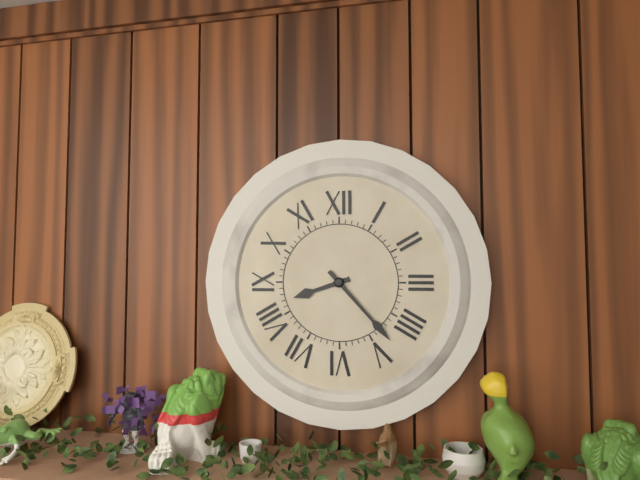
**8:23**
